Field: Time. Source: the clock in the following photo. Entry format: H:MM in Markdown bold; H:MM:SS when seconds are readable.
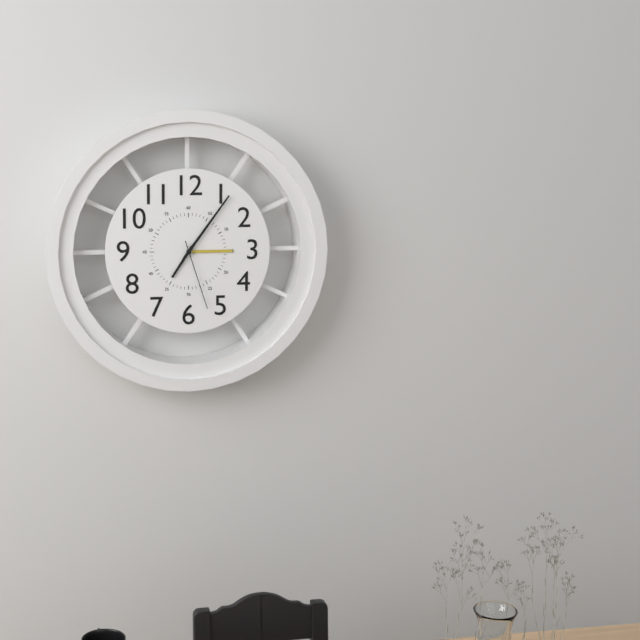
**7:06:27**
